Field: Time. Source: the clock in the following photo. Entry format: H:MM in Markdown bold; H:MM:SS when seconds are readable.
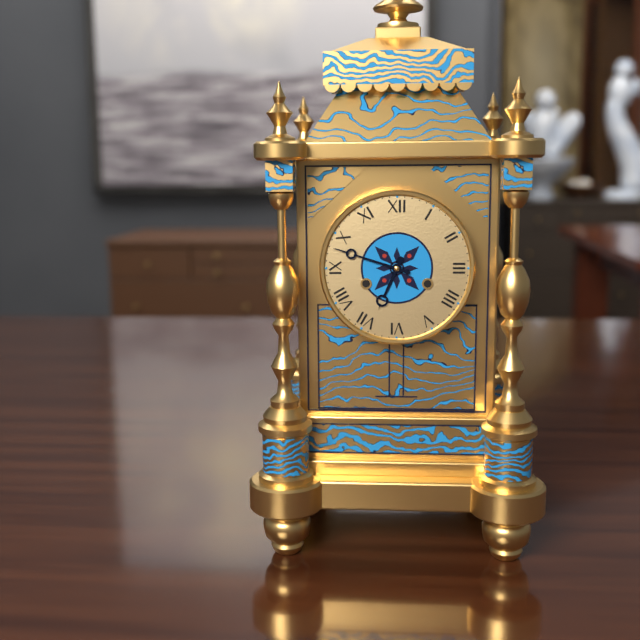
**6:48**
